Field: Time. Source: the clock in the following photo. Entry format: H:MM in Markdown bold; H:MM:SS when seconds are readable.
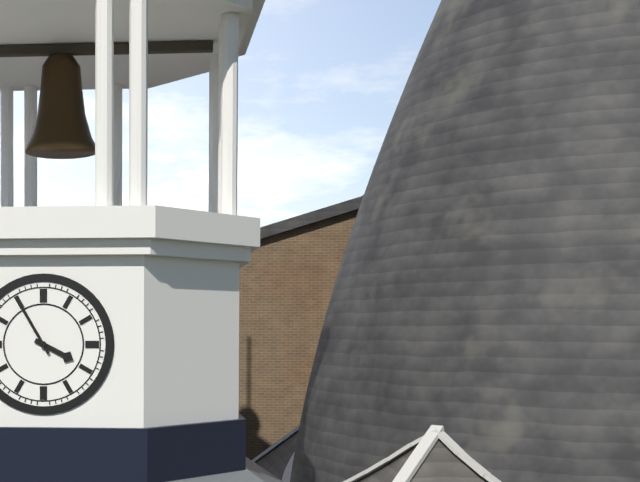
**3:55**
